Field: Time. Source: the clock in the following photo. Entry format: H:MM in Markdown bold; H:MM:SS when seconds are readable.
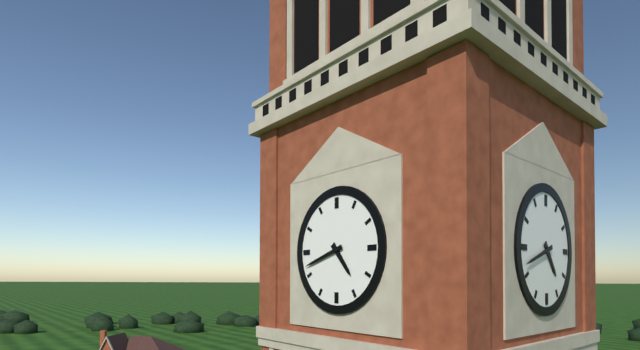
**4:42**
